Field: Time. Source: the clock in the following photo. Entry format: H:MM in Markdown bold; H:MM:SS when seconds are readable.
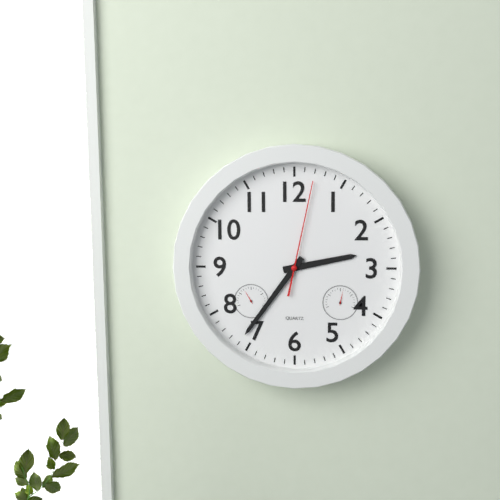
**2:36:02**
